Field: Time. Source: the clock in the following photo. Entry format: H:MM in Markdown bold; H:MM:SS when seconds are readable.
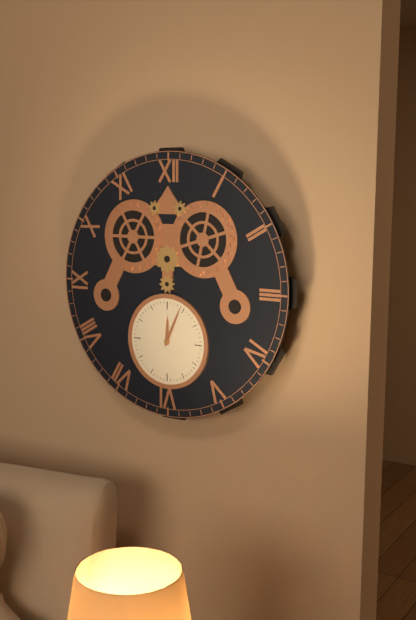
**12:04**
